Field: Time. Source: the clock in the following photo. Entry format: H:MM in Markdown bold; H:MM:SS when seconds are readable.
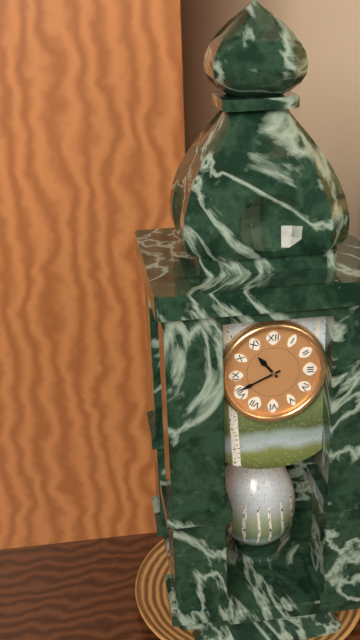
**10:41**
